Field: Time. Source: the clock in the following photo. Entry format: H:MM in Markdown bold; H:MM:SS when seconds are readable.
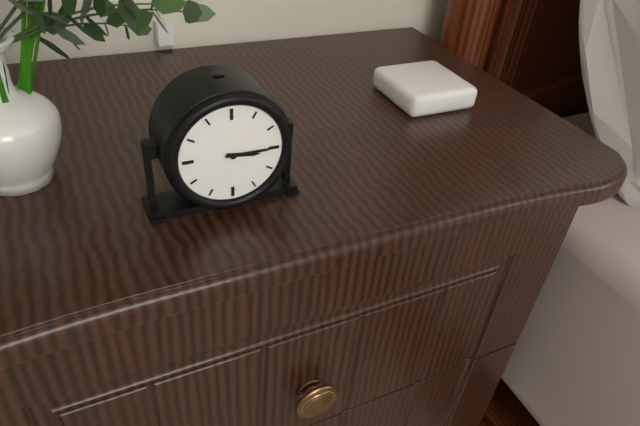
**3:15**
